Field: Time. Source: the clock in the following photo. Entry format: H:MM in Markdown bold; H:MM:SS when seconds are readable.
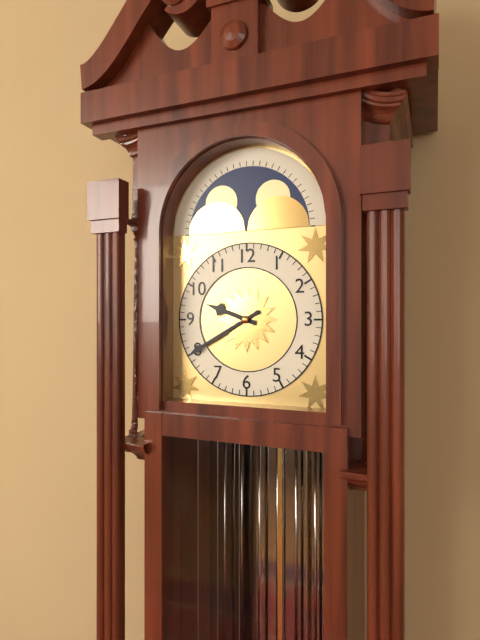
**9:40**
